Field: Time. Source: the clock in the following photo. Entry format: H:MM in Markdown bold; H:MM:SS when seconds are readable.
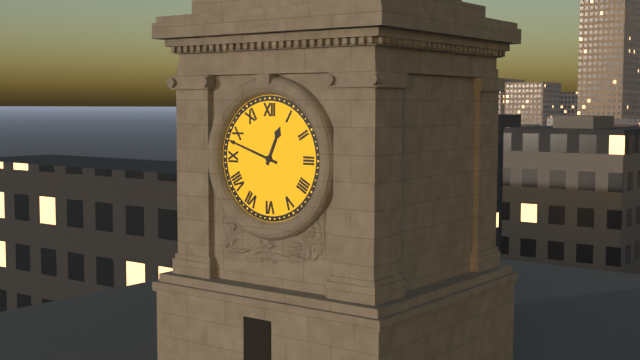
**12:48**
